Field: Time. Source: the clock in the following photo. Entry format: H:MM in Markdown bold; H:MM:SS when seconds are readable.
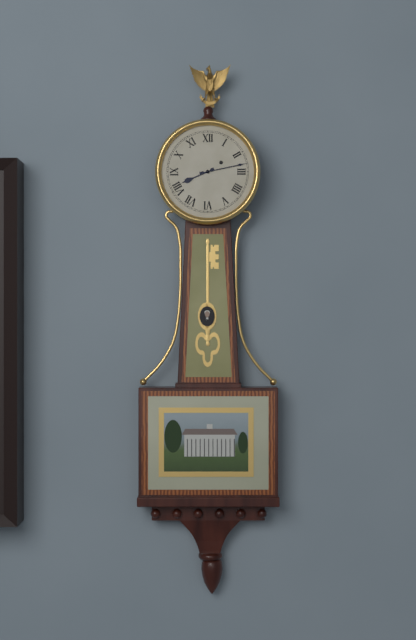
**8:13**
